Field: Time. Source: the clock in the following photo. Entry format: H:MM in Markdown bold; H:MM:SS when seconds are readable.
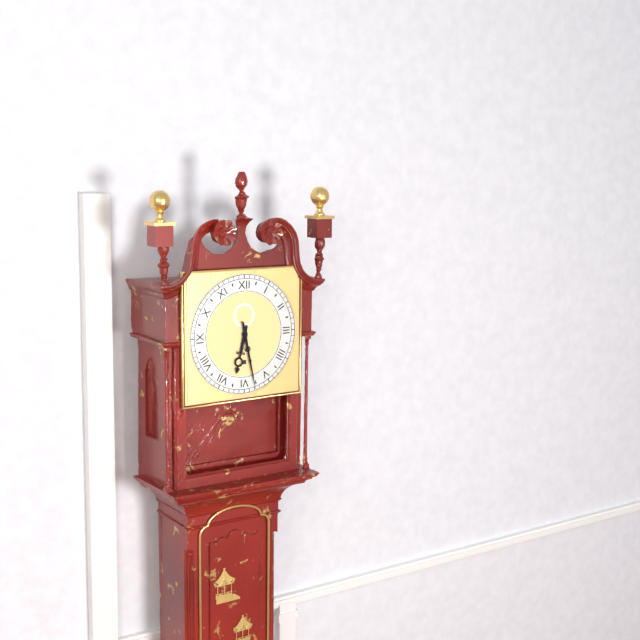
**6:28**
